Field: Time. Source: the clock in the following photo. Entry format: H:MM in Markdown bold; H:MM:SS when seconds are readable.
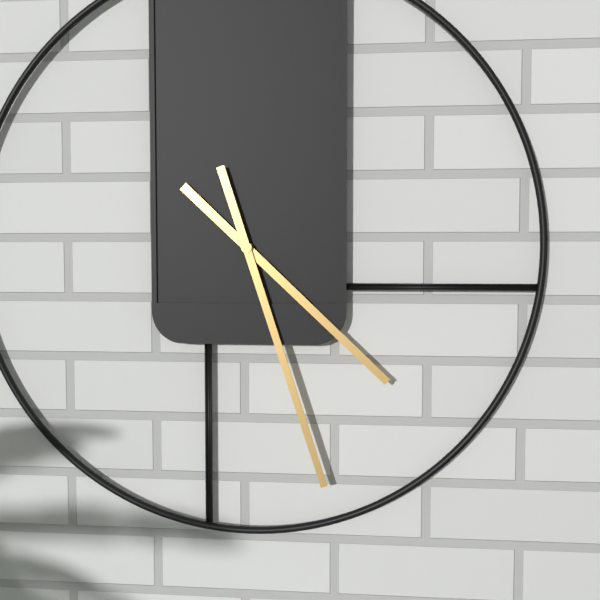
**4:27**
